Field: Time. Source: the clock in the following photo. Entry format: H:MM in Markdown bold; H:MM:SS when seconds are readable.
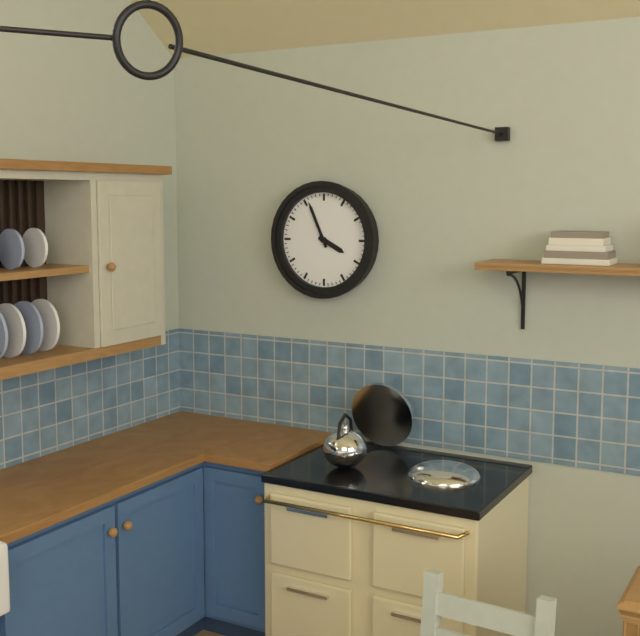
**3:56**
